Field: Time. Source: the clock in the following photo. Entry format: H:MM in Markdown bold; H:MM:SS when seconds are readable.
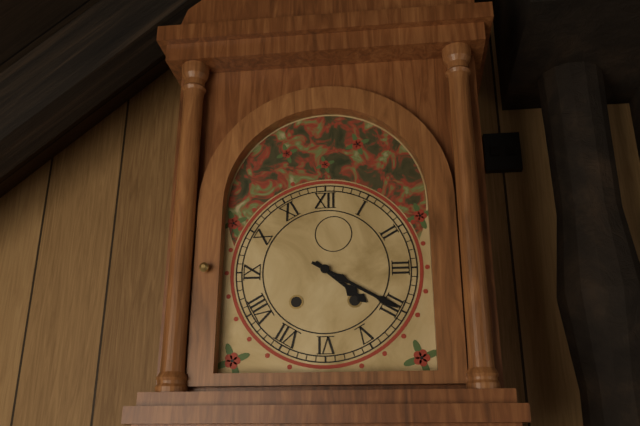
**4:20**
